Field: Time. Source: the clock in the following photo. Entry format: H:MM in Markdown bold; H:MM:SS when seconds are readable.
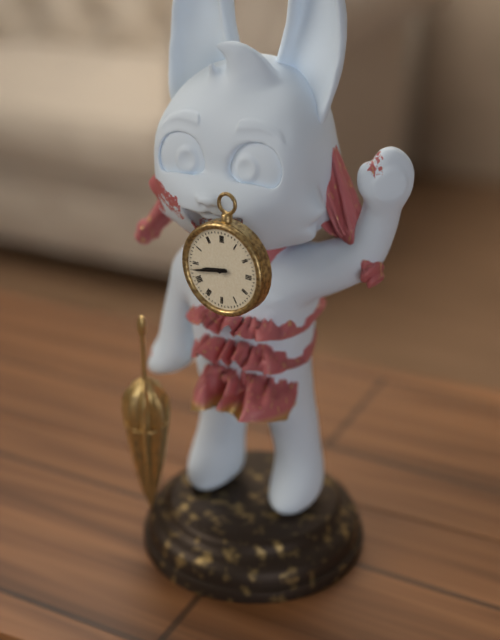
**8:43**
